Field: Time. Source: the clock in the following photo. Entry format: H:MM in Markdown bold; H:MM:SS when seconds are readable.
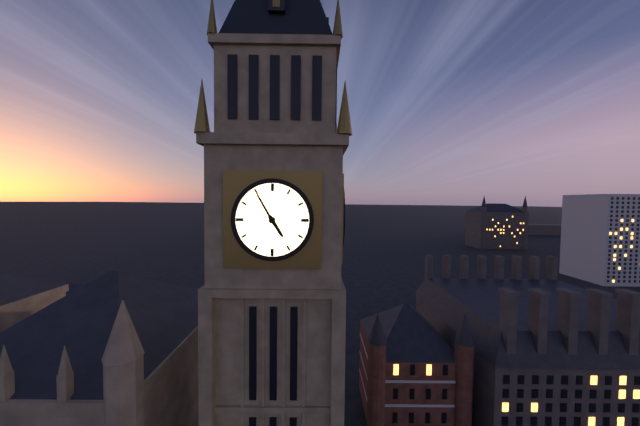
**4:55**
